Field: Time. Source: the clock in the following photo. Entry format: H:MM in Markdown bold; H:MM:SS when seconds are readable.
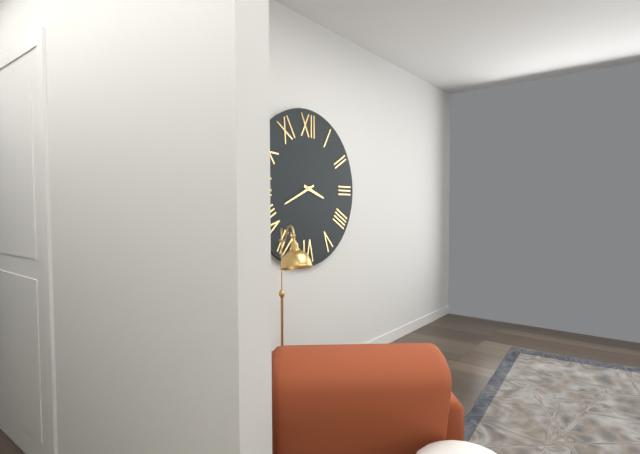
**3:41**
